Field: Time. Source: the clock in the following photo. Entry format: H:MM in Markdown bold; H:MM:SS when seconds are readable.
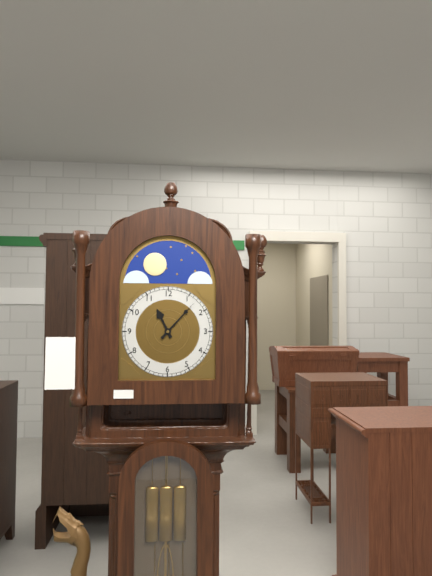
**11:07**
